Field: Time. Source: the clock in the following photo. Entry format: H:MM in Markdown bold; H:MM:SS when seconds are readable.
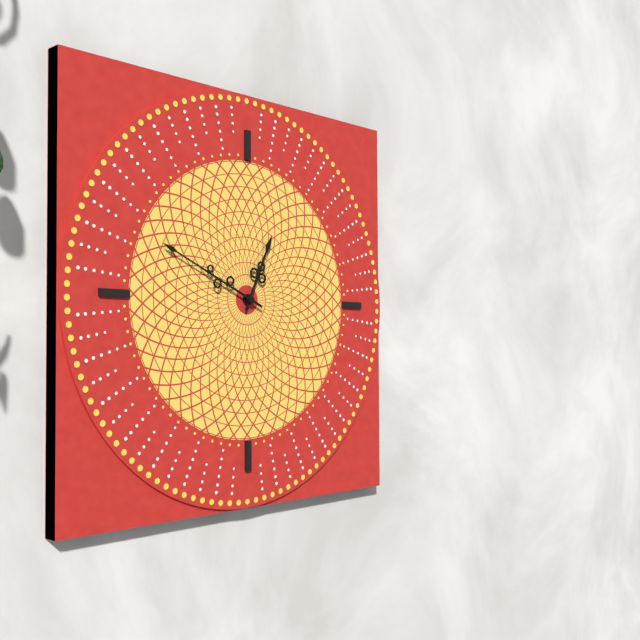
**12:49**
